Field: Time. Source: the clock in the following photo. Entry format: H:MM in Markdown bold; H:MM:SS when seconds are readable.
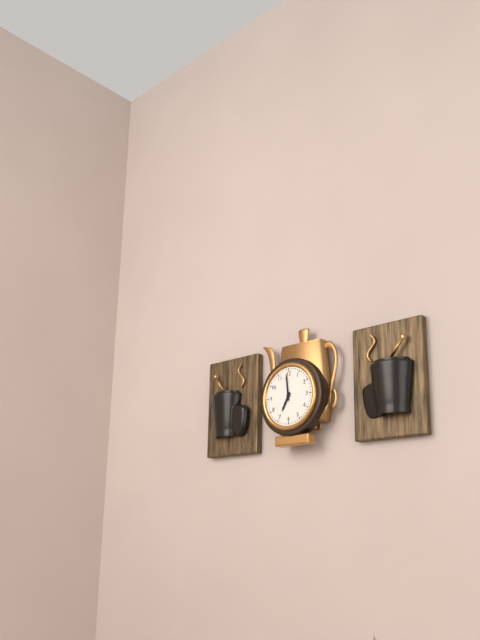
**6:59**
